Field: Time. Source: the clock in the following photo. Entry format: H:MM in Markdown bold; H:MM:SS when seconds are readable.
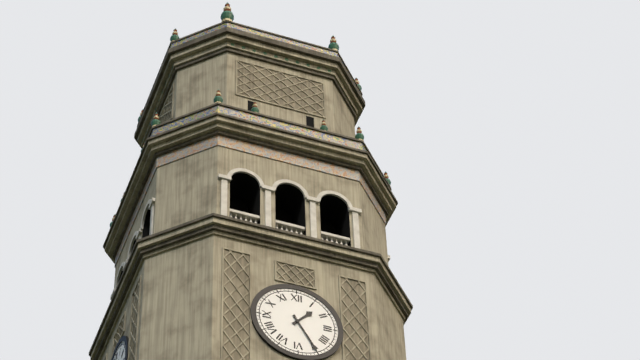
**1:25**
